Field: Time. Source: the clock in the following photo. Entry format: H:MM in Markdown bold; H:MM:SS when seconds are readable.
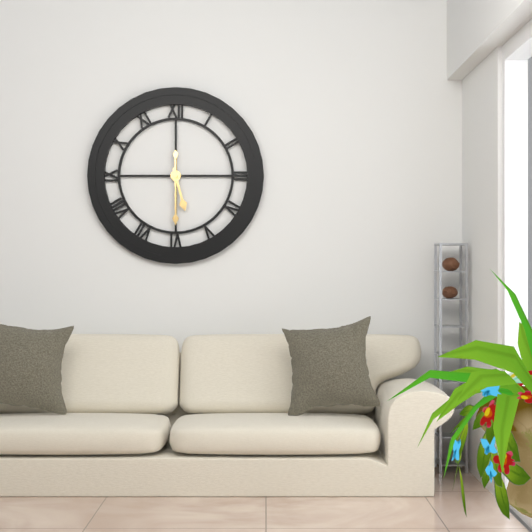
**5:30**
